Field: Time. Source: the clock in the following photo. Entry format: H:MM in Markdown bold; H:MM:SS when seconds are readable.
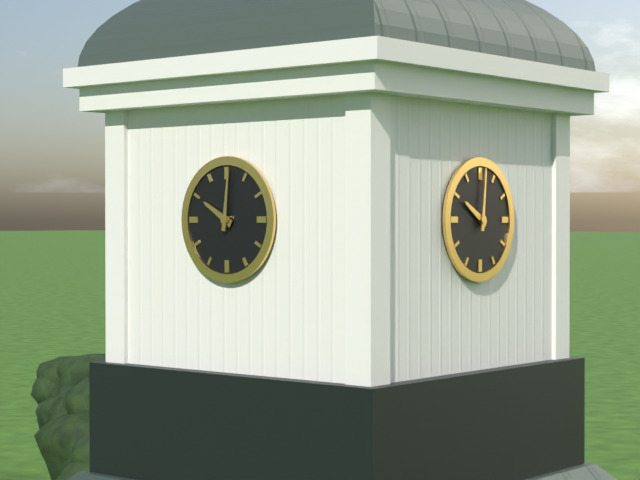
**10:01**
